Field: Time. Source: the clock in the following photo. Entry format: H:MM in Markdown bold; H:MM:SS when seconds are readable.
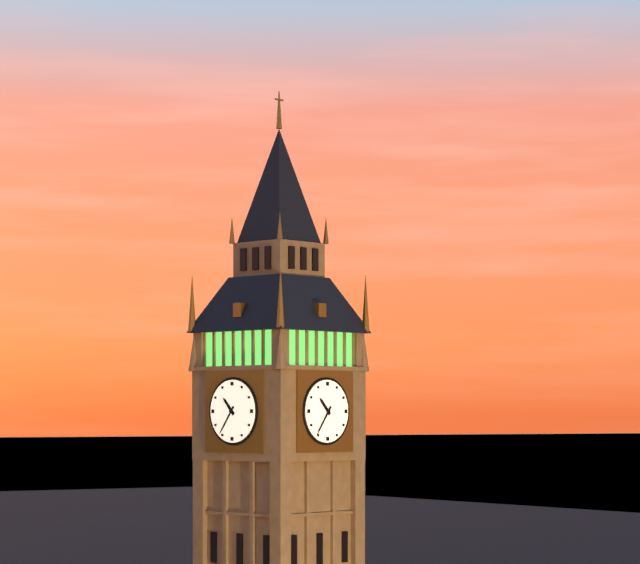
**10:36**
